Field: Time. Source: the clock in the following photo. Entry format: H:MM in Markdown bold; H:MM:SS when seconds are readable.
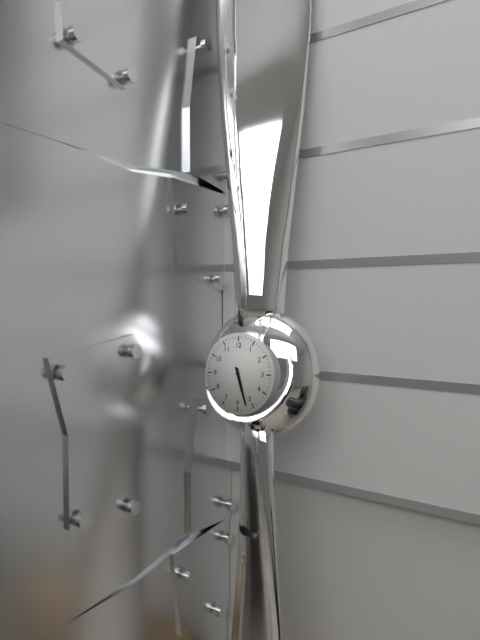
**5:27**
